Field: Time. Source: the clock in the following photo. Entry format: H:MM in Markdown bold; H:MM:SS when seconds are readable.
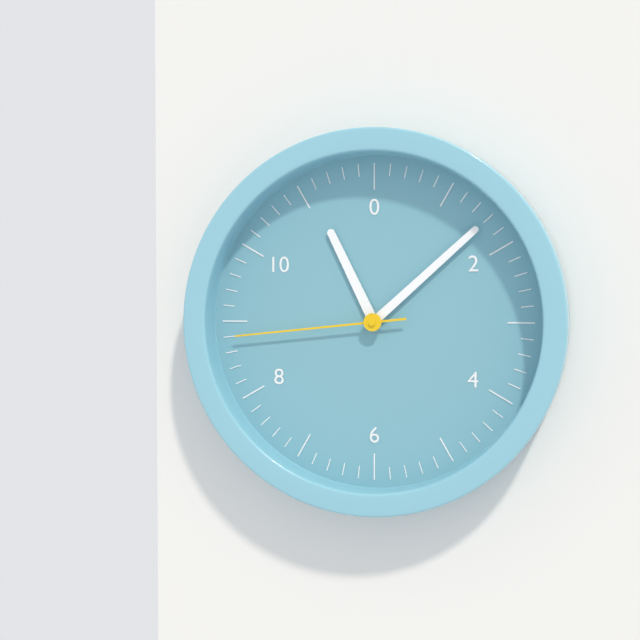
**11:08:44**
